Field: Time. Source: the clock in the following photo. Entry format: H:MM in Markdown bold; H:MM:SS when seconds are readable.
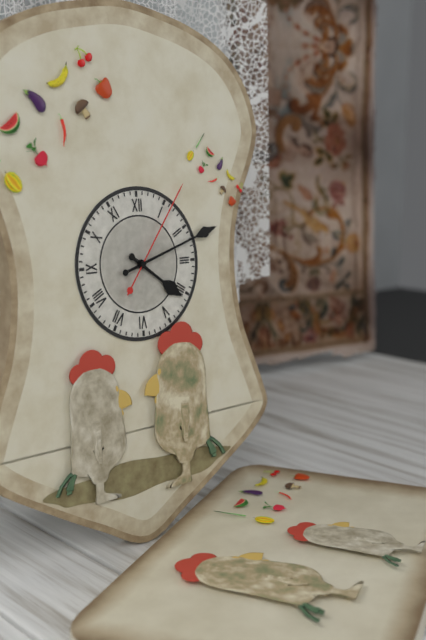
**4:12:06**
